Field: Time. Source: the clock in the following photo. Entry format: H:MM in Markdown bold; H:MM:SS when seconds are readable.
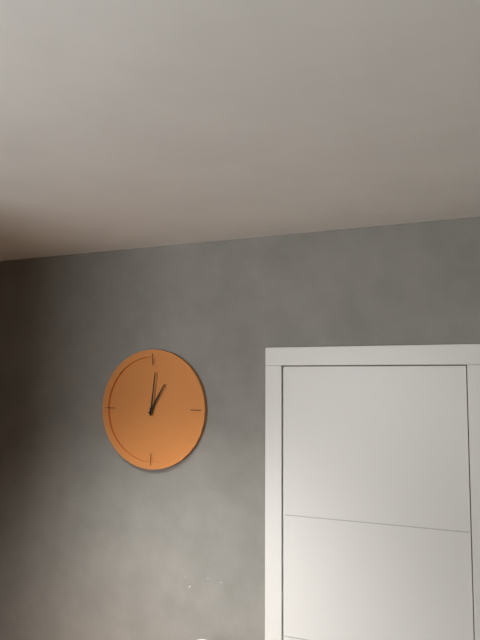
**1:01**
